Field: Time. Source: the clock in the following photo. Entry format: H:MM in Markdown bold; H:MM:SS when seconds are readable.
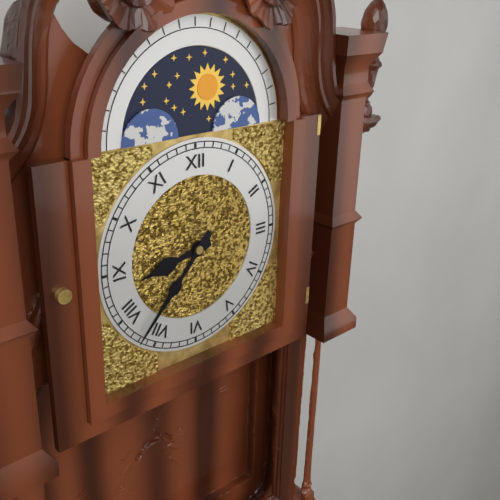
**8:37**
